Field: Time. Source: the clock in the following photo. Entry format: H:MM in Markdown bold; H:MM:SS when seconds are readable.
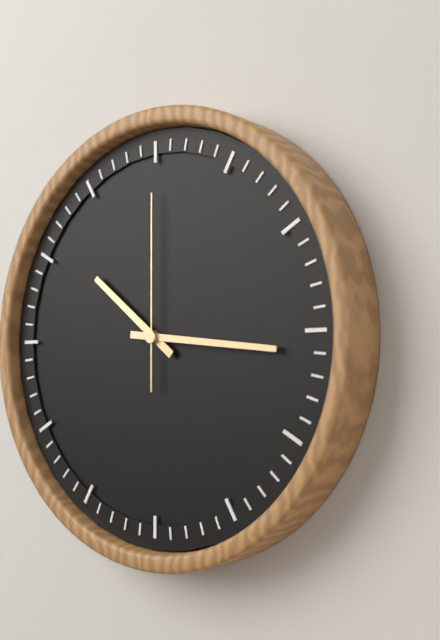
**10:16:00**
